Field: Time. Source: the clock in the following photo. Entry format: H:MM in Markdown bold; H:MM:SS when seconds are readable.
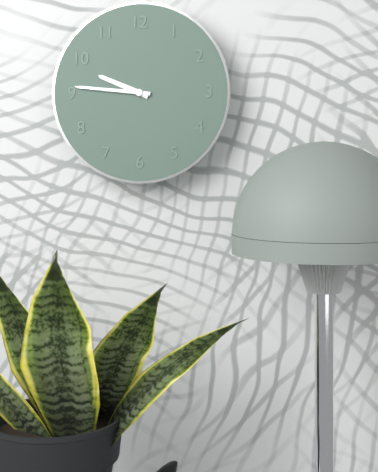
**9:46**
